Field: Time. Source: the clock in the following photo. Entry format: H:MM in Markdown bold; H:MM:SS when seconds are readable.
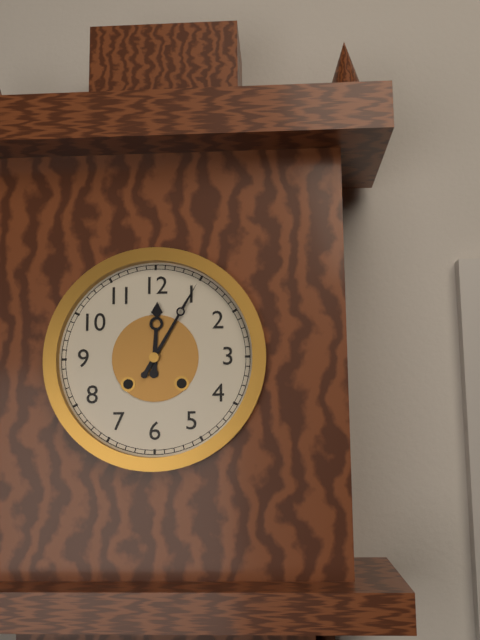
**12:05**
